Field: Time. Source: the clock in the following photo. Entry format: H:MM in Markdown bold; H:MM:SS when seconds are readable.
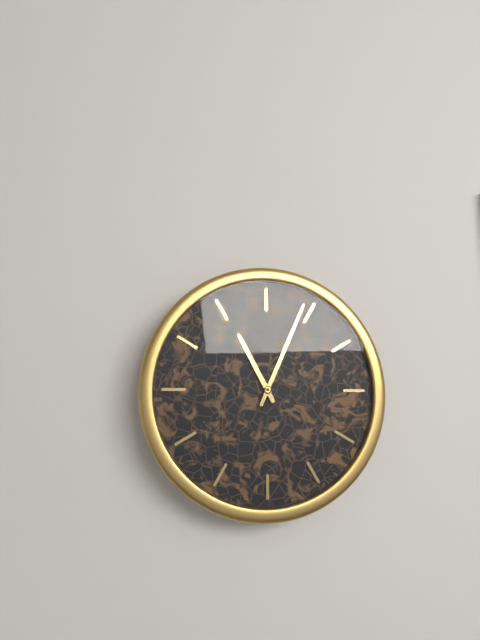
**11:04**
